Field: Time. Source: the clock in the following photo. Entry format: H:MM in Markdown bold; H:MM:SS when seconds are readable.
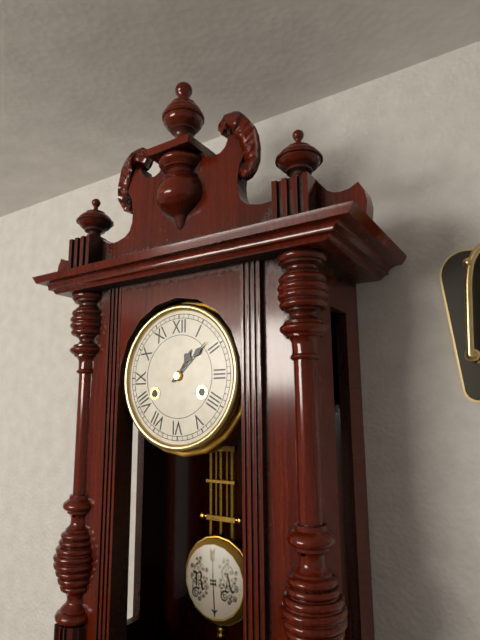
**1:08**
